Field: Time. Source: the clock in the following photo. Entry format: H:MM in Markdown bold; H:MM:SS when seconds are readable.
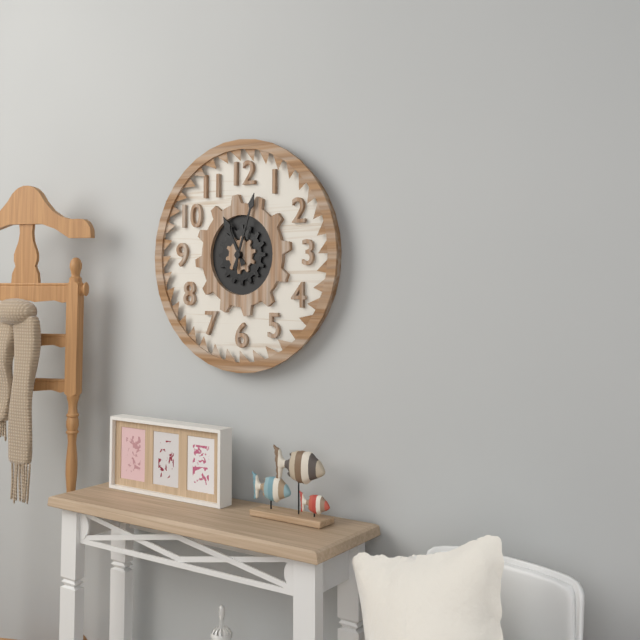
**11:03**
